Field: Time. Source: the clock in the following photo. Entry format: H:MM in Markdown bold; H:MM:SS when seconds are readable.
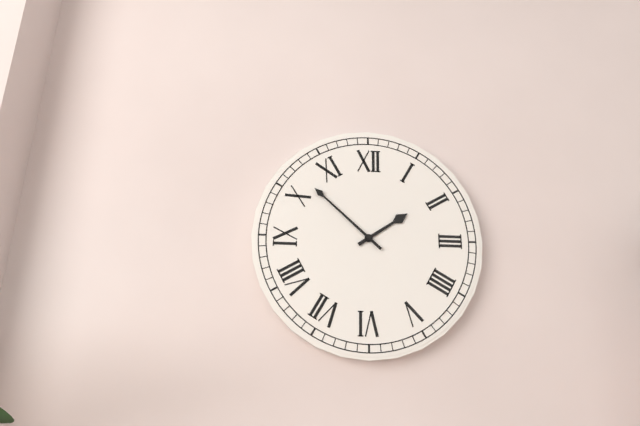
**1:52**
